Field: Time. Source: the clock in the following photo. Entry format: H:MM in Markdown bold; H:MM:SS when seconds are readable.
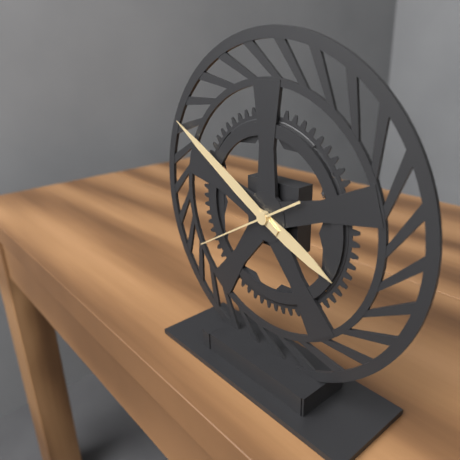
**3:50:40**
